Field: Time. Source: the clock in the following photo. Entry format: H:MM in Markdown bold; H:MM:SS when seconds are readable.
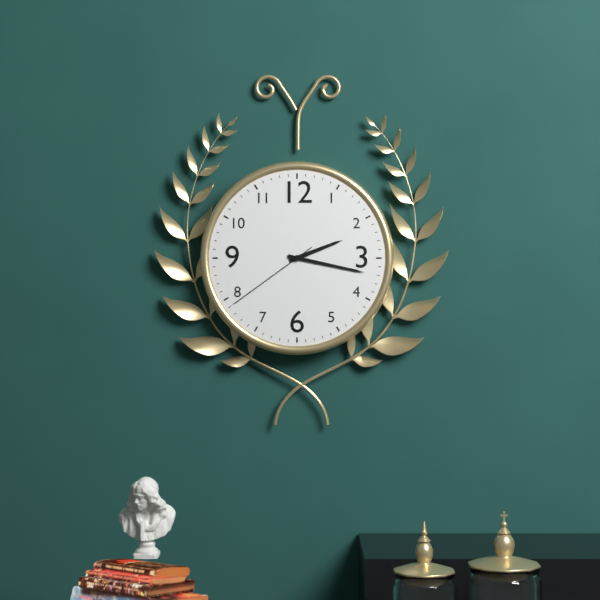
**2:17:39**
